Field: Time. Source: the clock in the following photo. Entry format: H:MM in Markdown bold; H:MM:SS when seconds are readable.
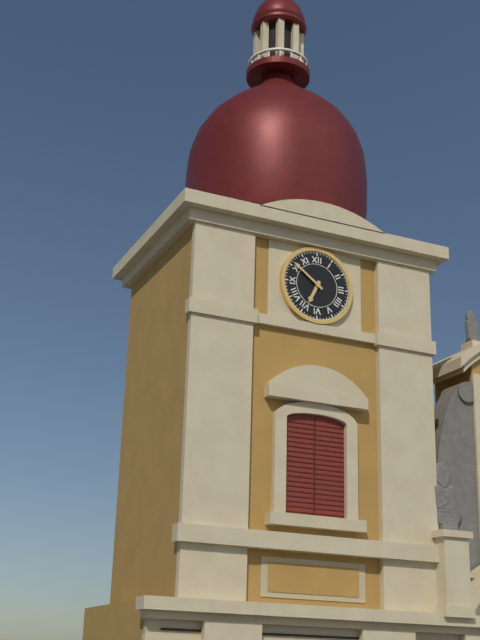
**6:51**
